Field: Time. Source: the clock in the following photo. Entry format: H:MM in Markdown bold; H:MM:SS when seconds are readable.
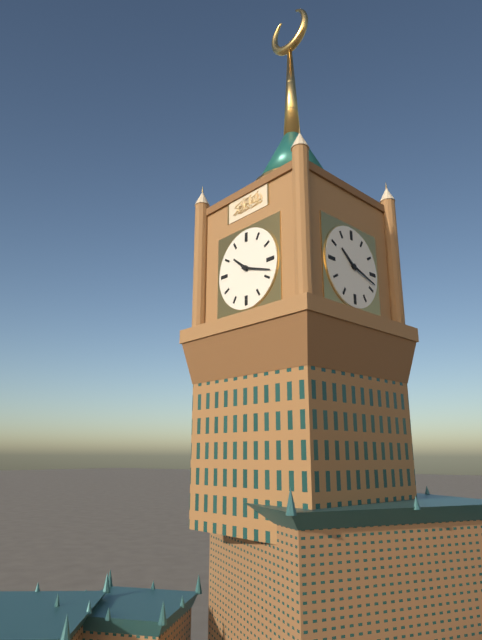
**10:18**
